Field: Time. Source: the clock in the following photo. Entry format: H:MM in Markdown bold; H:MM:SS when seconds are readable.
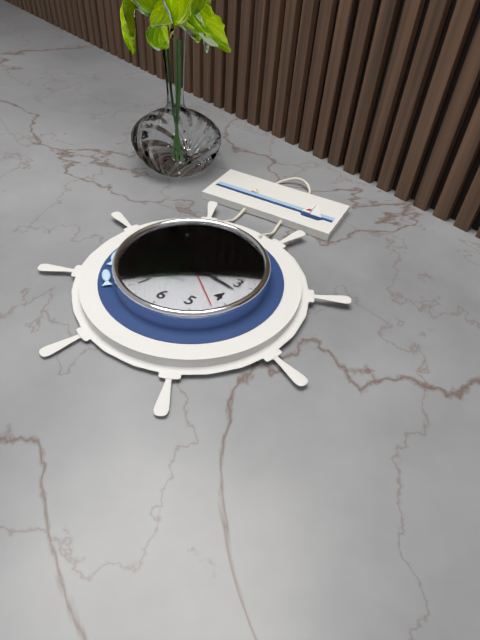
**10:17:22**
